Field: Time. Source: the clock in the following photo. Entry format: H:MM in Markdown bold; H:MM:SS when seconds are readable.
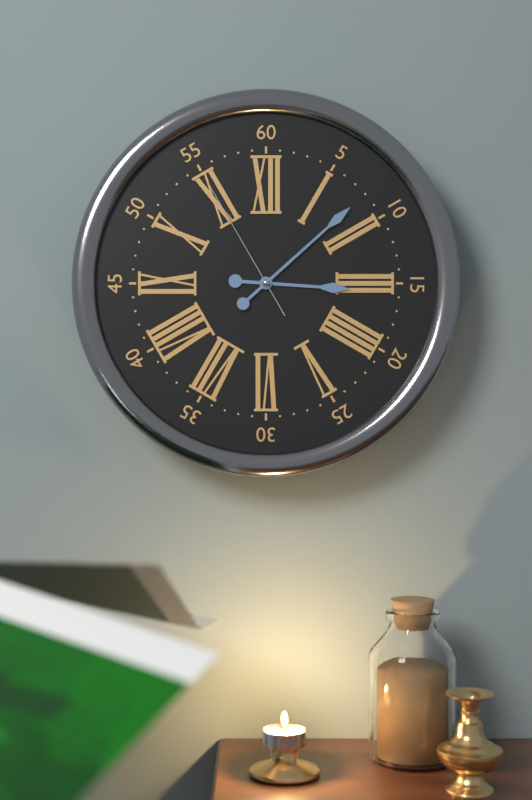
**3:08:55**
